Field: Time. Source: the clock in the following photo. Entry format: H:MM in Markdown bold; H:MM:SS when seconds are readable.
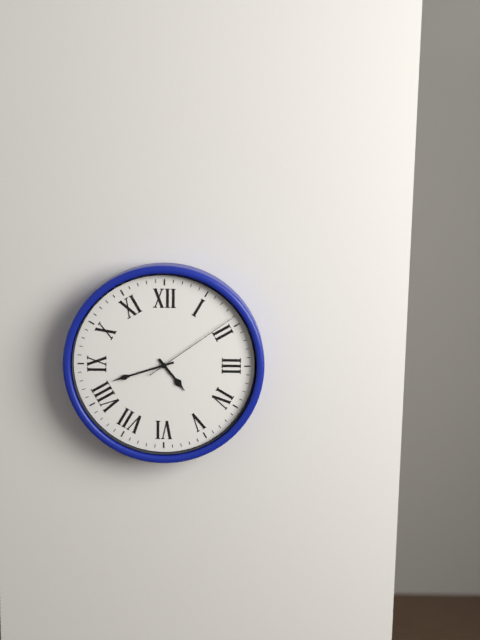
**4:42:09**
